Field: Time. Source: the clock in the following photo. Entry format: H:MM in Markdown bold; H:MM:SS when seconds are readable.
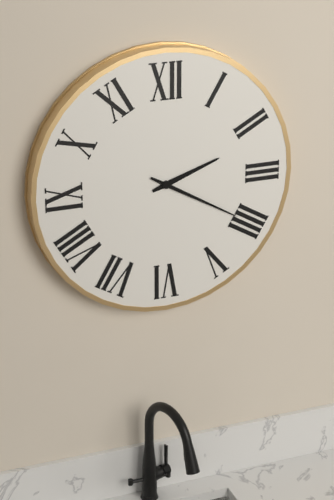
**2:20**
